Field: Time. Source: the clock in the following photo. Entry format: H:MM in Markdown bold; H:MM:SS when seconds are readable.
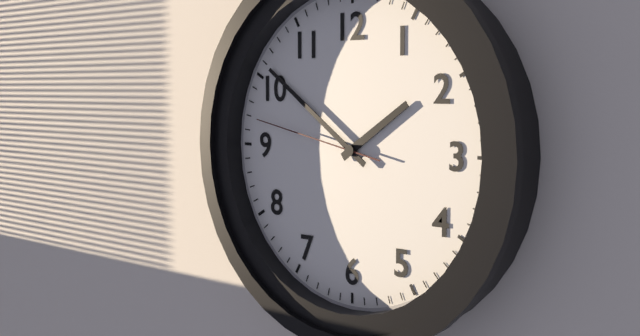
**1:51:47**
